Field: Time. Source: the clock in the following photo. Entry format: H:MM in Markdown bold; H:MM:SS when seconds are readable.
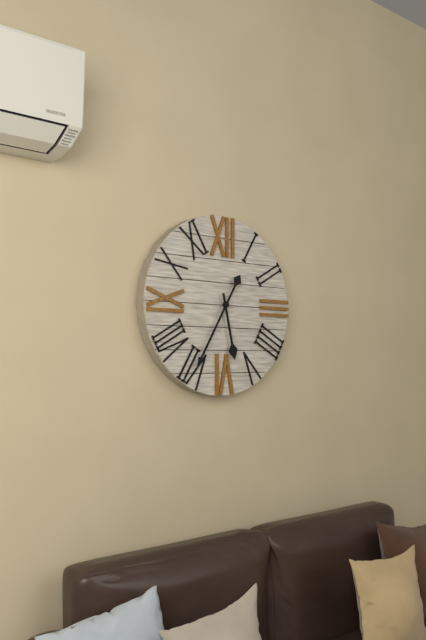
**5:35**
